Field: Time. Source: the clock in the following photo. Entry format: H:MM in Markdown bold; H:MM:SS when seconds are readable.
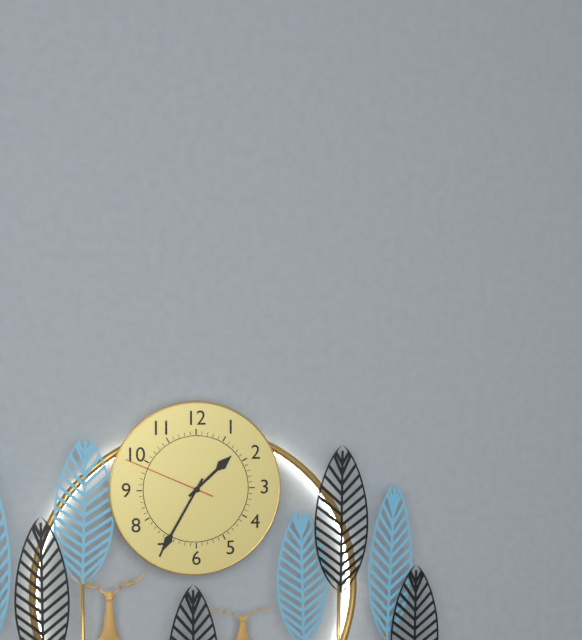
**1:35:49**
